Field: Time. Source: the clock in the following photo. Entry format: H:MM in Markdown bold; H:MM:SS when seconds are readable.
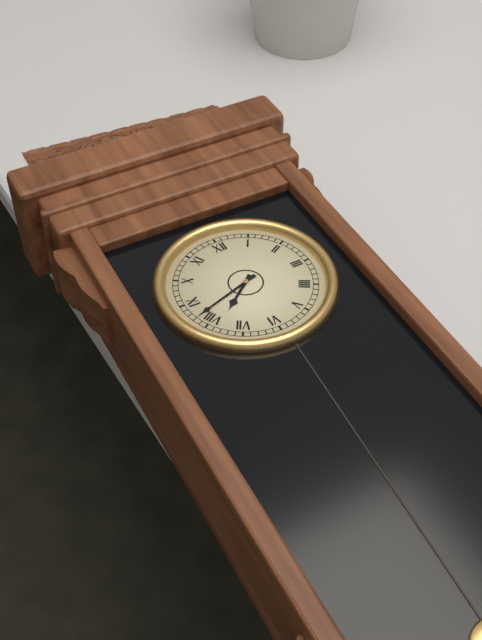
**7:42**
